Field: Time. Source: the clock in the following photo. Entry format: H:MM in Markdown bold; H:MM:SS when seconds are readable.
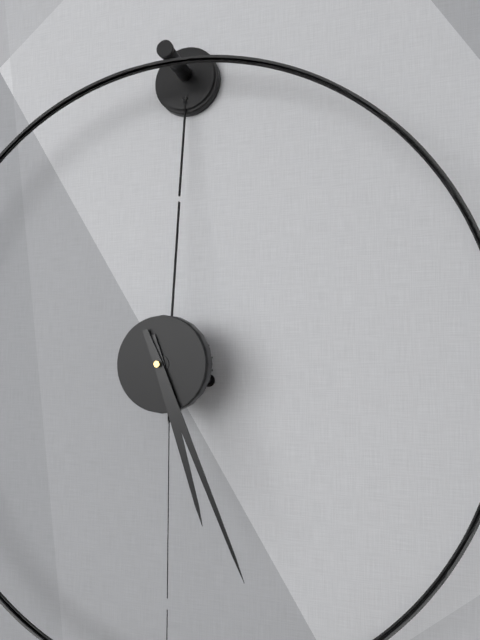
**5:26**
